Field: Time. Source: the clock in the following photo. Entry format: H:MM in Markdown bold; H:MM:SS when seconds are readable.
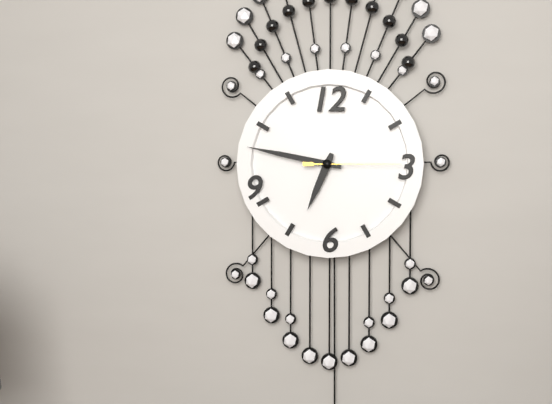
**6:47:15**
